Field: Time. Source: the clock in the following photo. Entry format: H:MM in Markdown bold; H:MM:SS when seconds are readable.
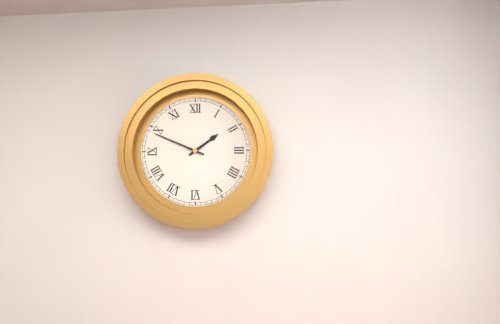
**1:49**
